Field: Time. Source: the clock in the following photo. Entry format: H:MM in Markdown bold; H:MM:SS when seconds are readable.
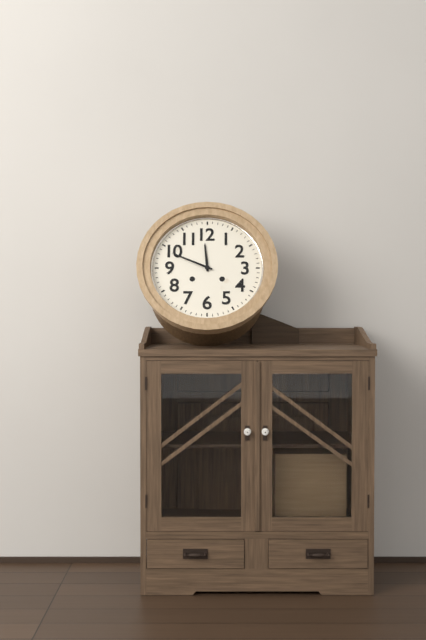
**11:49**
